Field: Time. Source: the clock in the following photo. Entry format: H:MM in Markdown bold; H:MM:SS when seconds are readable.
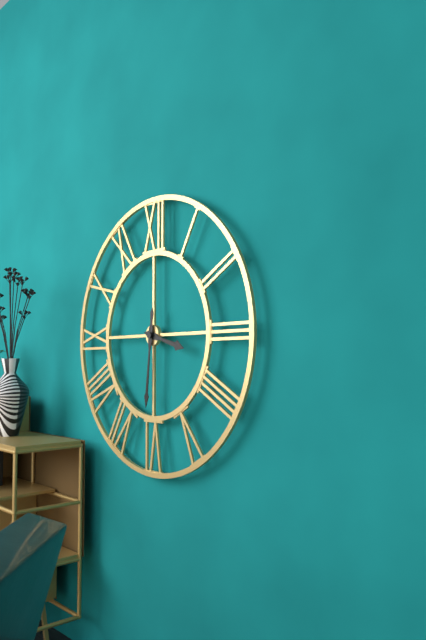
**3:31**
